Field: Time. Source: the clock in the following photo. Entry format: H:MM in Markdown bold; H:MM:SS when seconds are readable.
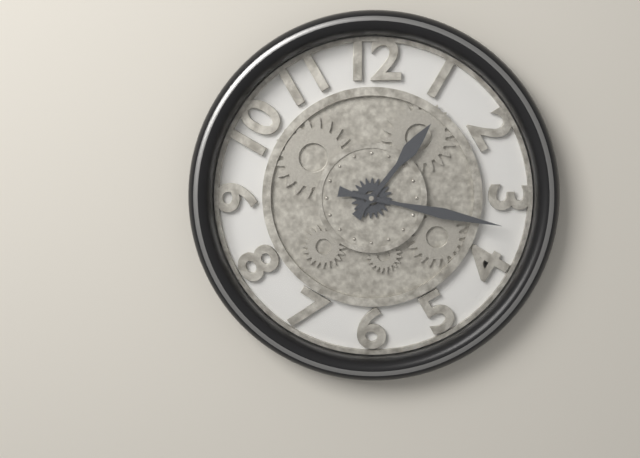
**1:17**
